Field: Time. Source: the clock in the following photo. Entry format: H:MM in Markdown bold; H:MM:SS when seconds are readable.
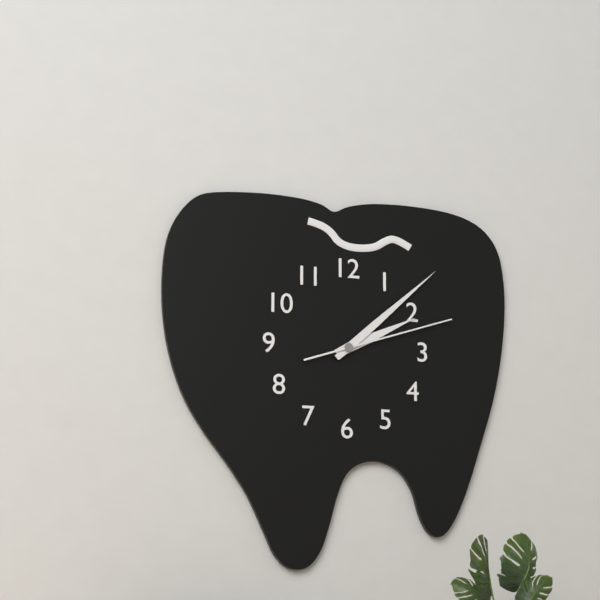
**2:08:12**
